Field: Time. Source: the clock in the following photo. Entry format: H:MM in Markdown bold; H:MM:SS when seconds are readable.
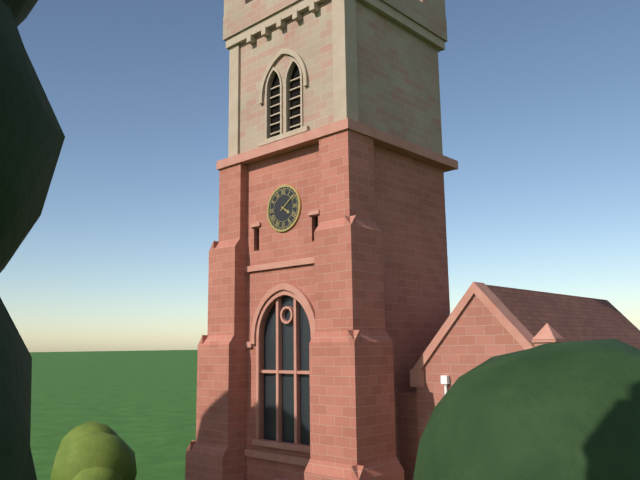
**4:09**
